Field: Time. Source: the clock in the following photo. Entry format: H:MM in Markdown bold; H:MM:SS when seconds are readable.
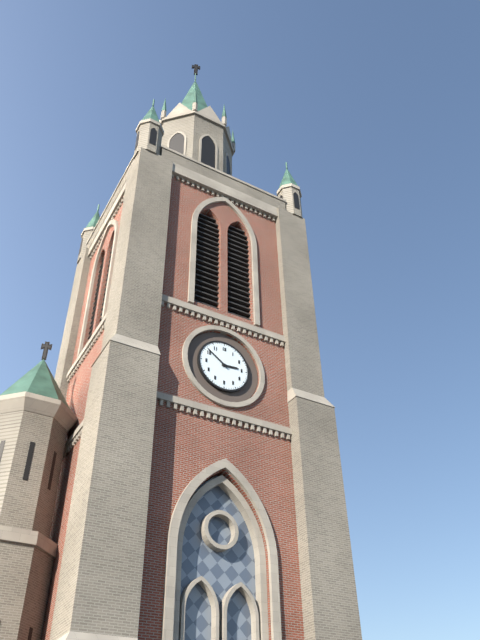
**2:51**
